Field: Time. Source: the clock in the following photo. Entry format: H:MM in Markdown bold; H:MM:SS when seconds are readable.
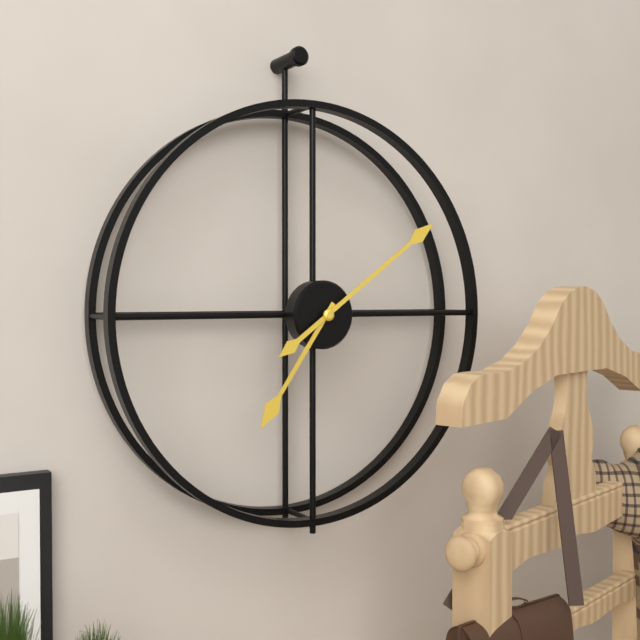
**7:09**
